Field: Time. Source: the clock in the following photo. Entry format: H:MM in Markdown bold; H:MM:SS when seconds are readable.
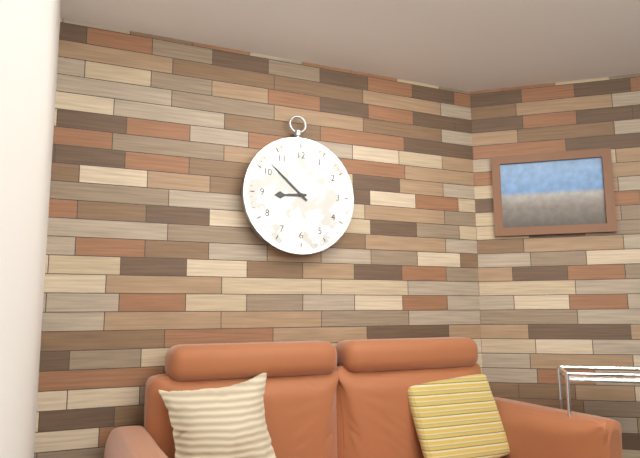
**8:52**
